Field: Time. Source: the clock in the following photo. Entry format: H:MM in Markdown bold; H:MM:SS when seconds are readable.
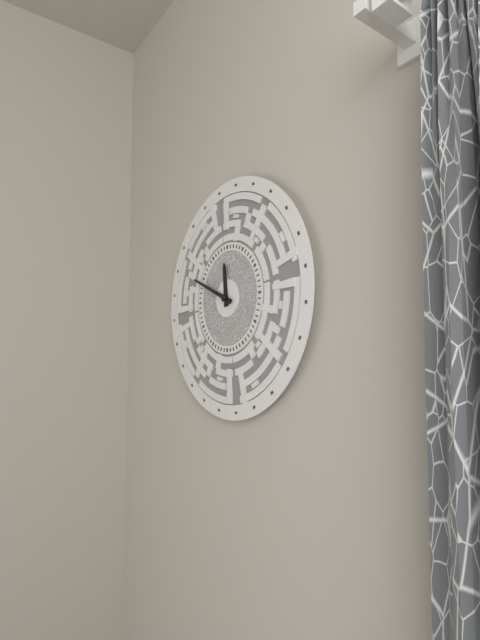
**11:49**
